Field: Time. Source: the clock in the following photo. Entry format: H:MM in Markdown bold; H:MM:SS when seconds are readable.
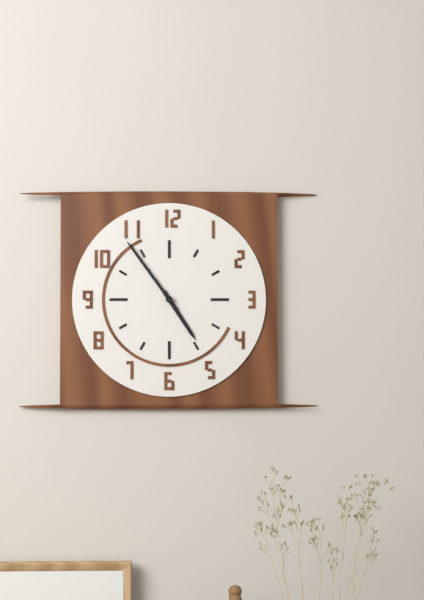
**4:54**
